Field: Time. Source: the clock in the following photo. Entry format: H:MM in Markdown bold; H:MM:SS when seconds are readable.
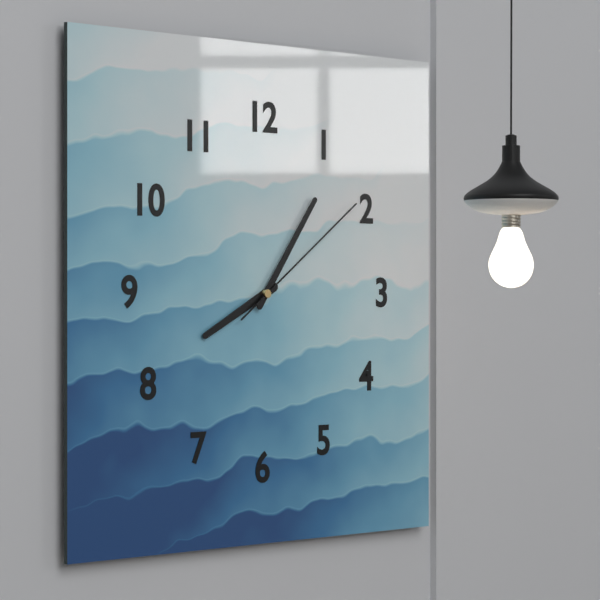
**8:06:09**
